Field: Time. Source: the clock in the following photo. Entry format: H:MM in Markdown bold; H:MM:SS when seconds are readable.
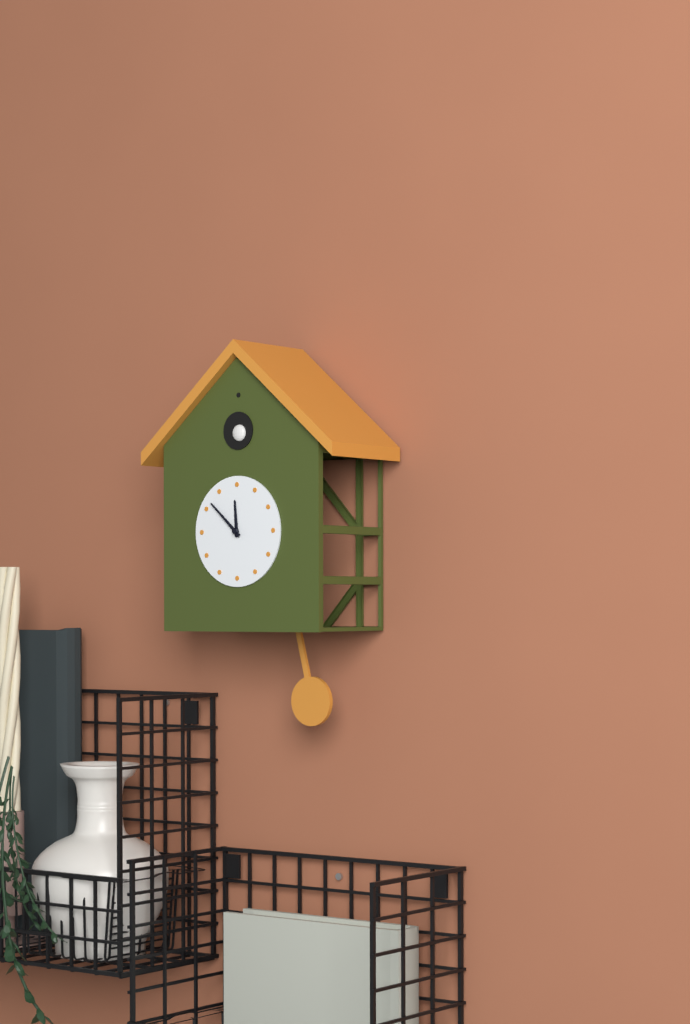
**11:52**
